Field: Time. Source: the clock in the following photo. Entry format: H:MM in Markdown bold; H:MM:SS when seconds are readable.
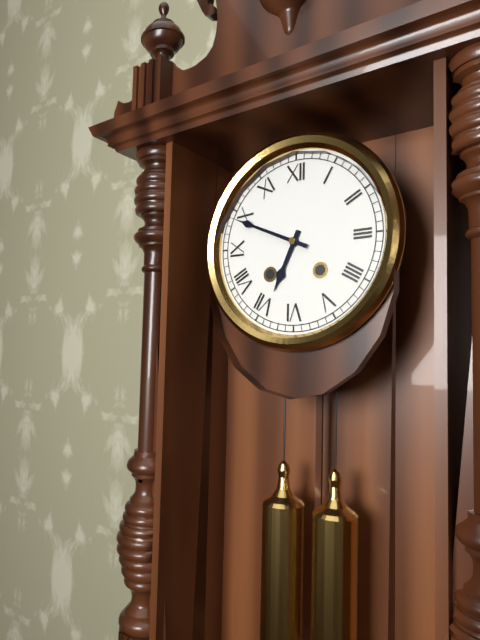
**6:49**
